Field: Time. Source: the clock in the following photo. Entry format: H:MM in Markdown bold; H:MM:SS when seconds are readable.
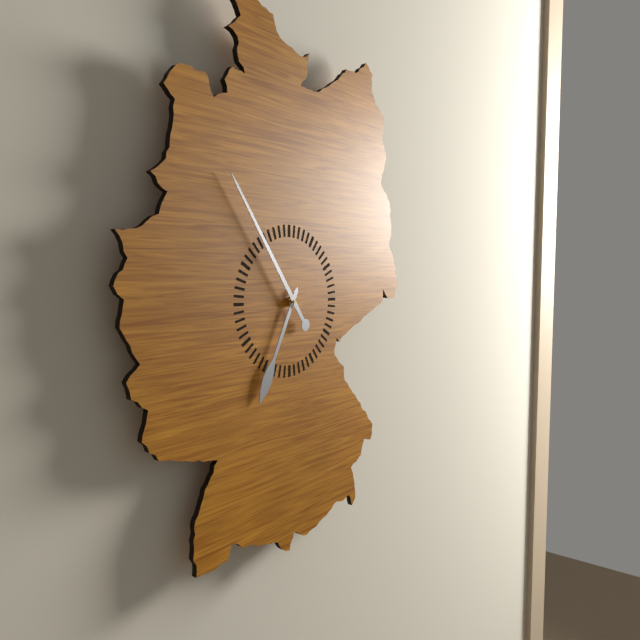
**6:54**
